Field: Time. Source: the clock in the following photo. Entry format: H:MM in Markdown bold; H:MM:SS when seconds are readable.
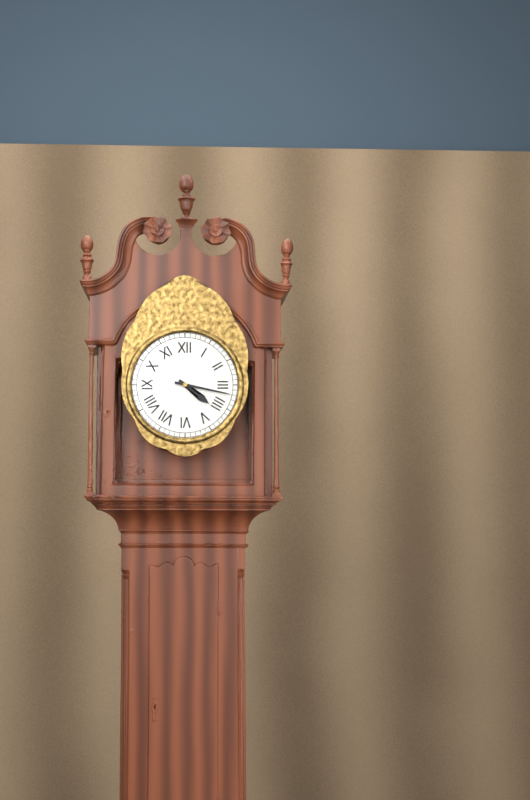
**4:17**
